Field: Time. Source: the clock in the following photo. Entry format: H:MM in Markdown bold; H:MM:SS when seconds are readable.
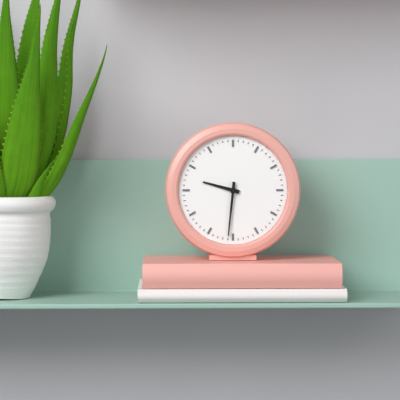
**9:31**
